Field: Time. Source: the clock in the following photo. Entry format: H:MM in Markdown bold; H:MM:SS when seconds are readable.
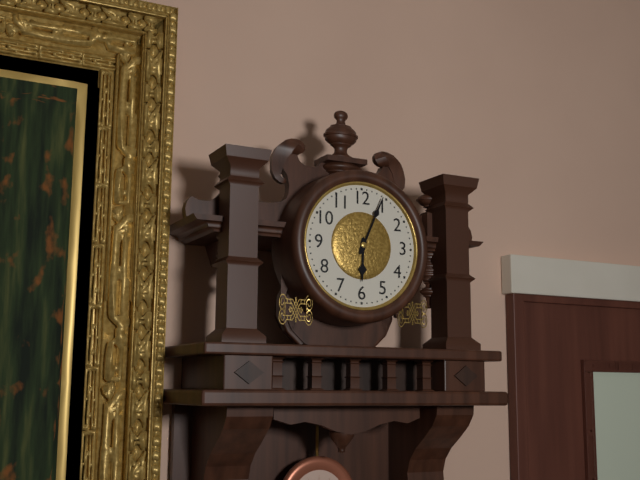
**6:04**
